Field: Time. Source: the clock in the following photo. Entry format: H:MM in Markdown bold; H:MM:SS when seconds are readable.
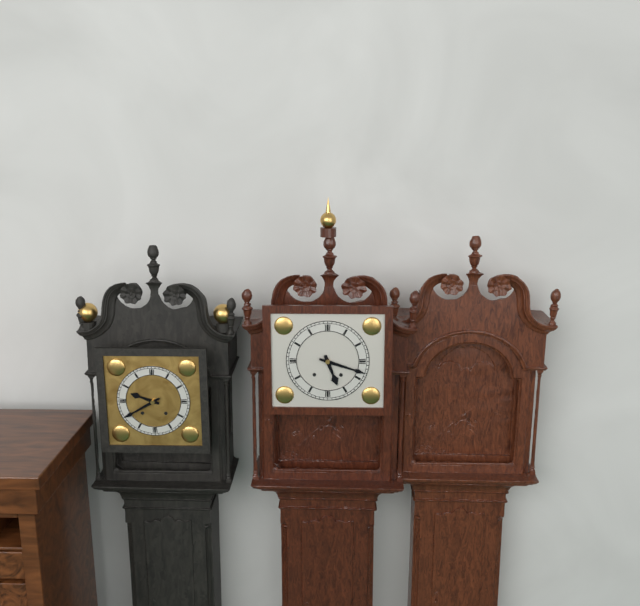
**5:18**
